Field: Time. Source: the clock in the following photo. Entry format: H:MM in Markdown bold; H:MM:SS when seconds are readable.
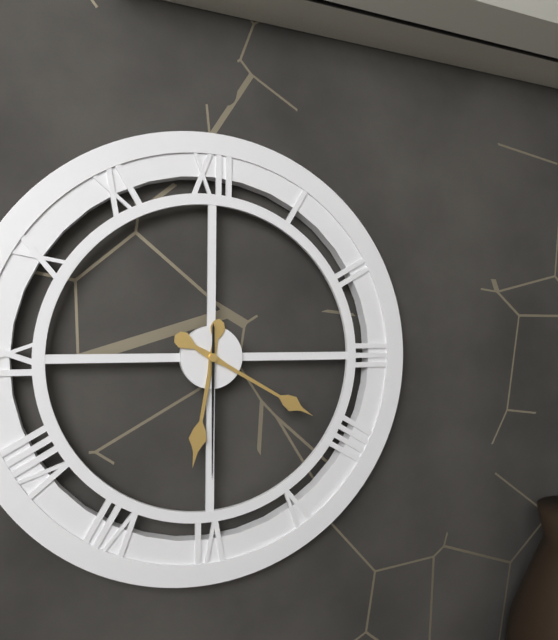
**6:20:30**
